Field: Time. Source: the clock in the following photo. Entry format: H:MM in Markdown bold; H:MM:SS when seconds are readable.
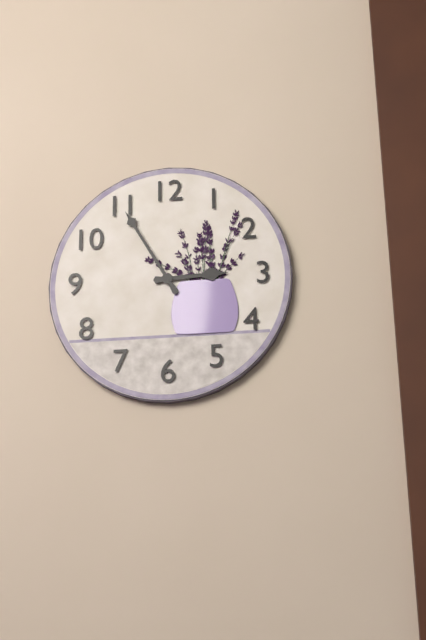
**2:55**
